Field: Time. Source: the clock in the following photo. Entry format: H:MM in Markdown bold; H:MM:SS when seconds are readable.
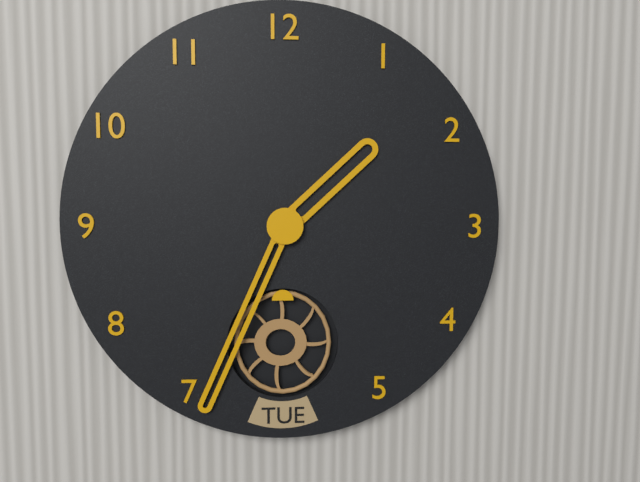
**1:34**
